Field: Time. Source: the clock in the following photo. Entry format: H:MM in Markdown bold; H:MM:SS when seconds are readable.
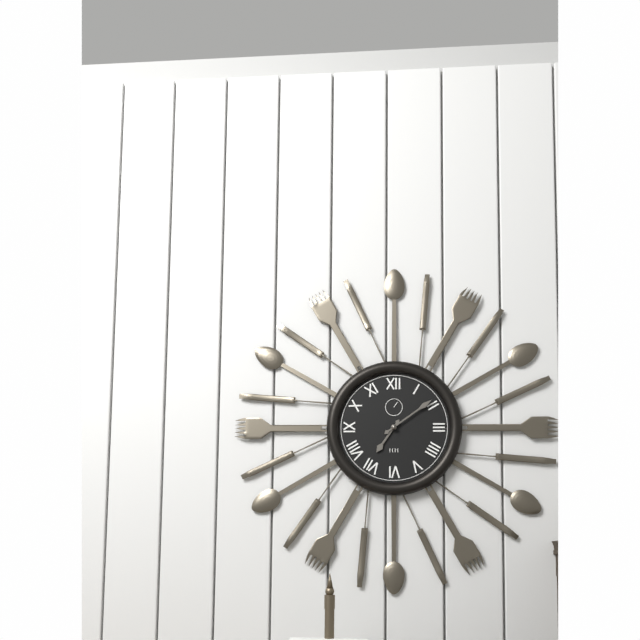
**7:09**
